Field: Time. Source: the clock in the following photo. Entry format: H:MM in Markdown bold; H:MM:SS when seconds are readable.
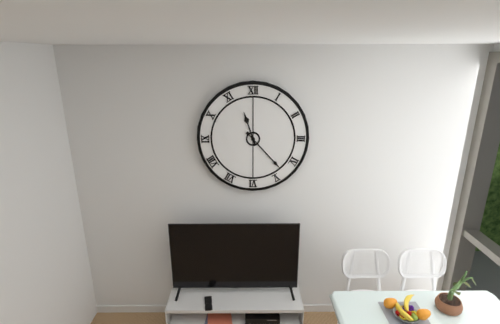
**11:23**
